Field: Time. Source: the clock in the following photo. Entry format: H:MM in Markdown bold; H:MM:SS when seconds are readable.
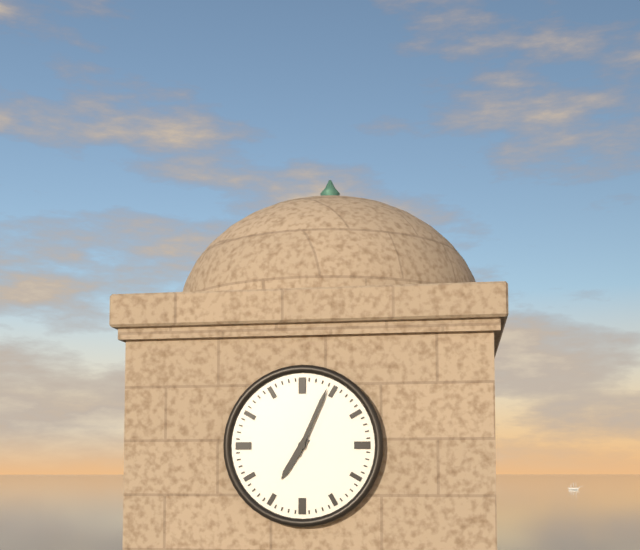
**7:04**
